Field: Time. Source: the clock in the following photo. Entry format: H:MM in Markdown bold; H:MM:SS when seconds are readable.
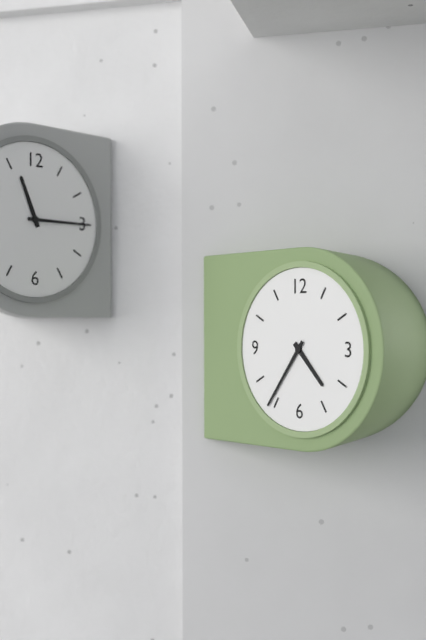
**4:36**
